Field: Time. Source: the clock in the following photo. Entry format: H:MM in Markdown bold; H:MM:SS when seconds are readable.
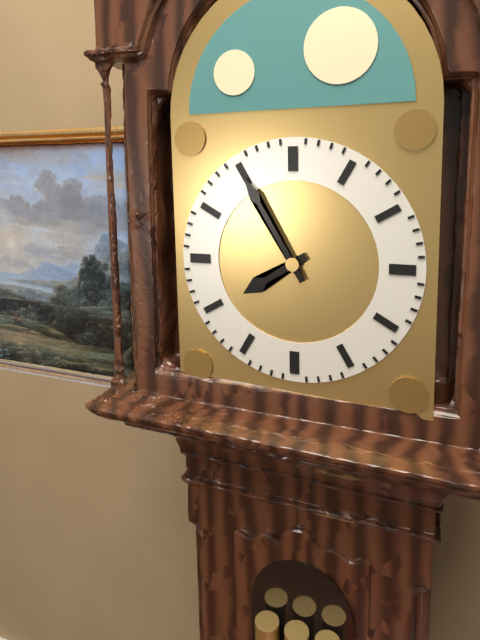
**7:55**
